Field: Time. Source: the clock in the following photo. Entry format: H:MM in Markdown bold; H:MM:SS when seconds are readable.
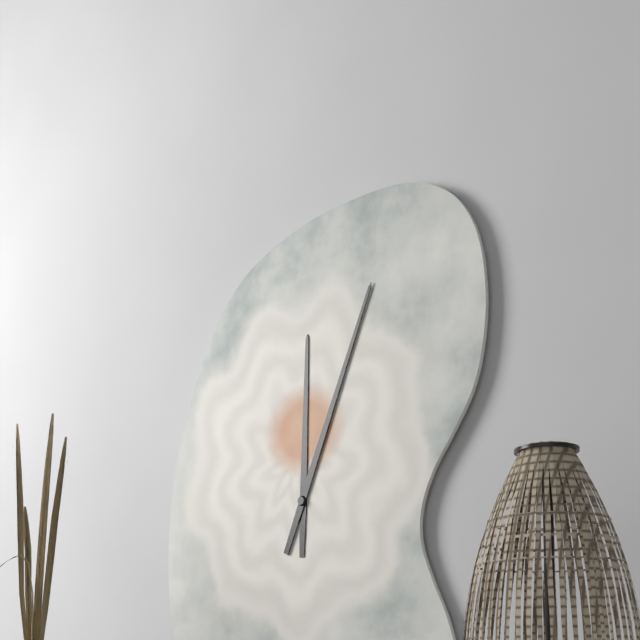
**12:04**
